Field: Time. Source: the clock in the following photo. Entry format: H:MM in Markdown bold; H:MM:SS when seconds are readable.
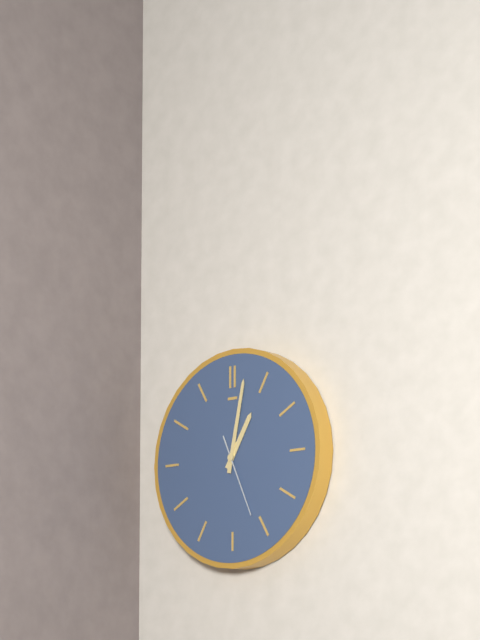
**1:02:26**
